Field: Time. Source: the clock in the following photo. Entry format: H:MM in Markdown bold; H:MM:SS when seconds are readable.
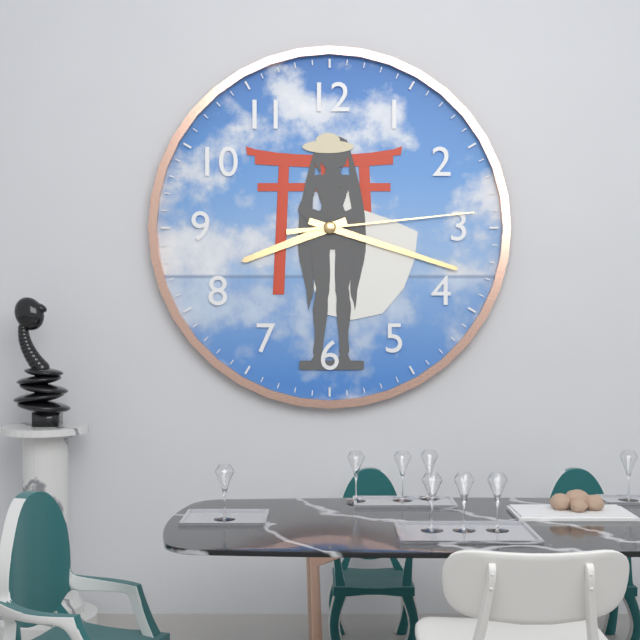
**8:18:14**
